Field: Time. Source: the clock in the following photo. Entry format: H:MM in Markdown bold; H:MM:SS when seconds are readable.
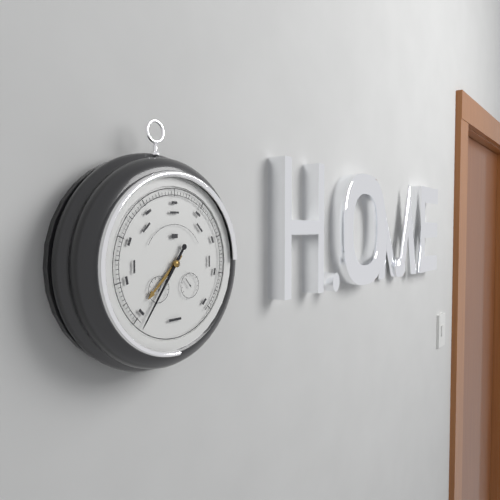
**7:36**
